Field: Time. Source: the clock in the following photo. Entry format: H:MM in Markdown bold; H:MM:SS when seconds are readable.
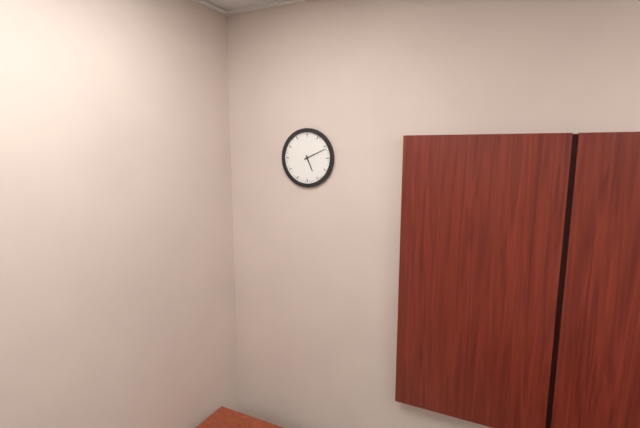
**5:11**
